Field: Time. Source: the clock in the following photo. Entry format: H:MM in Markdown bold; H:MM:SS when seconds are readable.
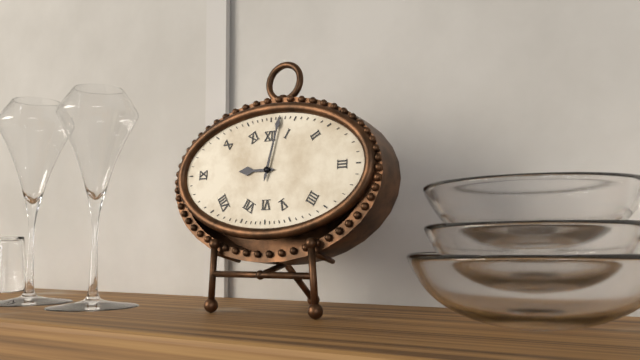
**9:02**
